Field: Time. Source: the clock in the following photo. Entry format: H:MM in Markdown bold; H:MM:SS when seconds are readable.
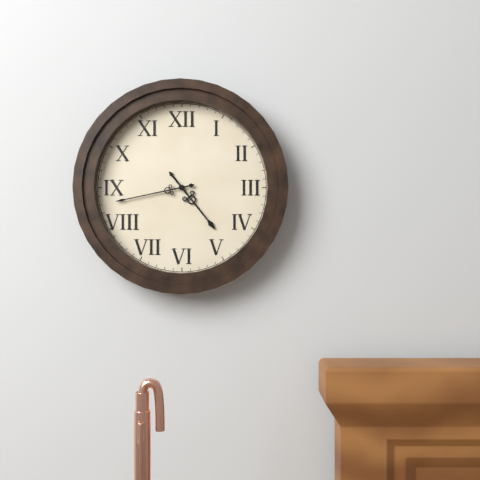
**4:43**
